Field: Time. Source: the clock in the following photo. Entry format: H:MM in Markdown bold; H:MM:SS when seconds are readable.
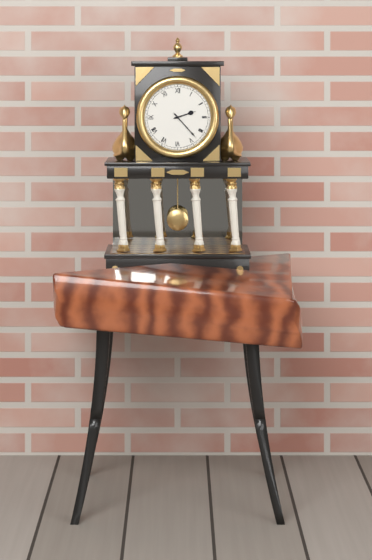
**2:23**
